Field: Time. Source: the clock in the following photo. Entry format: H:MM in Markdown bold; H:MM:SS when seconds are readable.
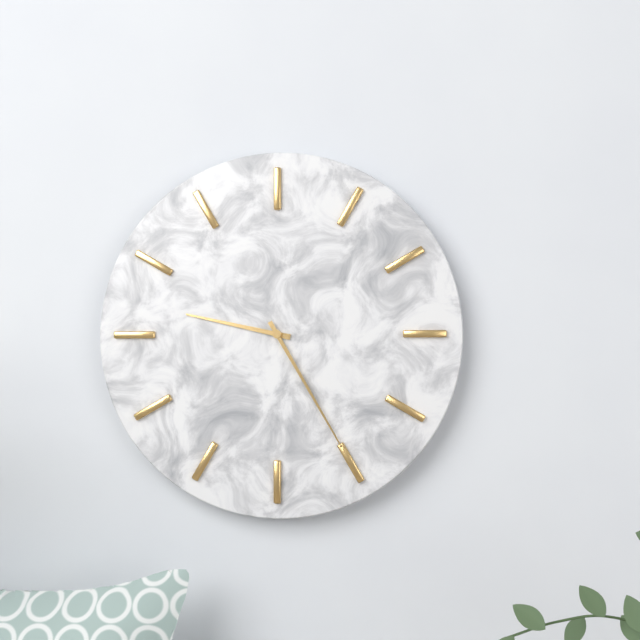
**9:25**
